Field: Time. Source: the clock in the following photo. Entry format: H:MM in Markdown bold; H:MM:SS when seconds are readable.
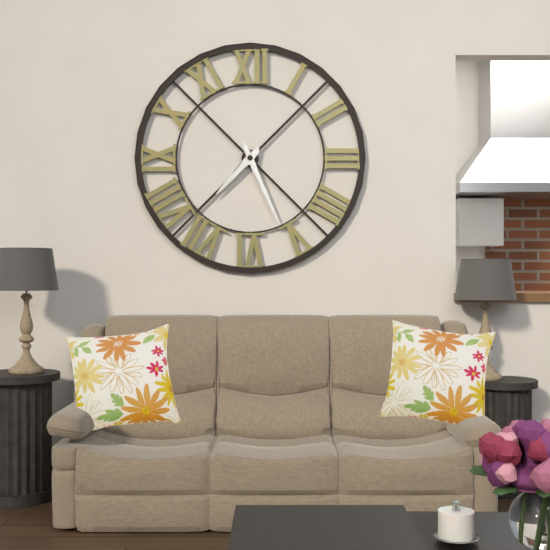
**7:26**
